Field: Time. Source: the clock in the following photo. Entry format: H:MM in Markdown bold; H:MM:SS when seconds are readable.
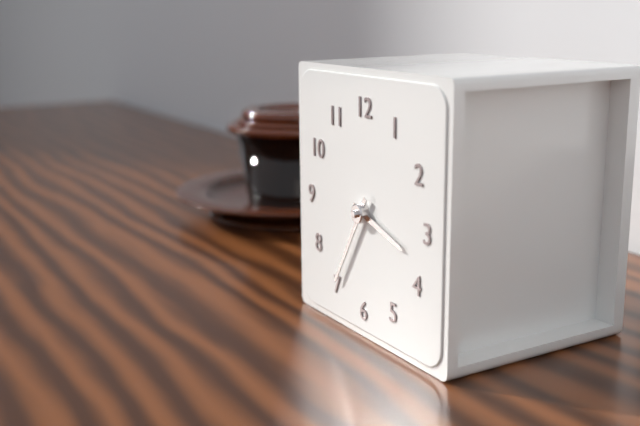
**3:35**
